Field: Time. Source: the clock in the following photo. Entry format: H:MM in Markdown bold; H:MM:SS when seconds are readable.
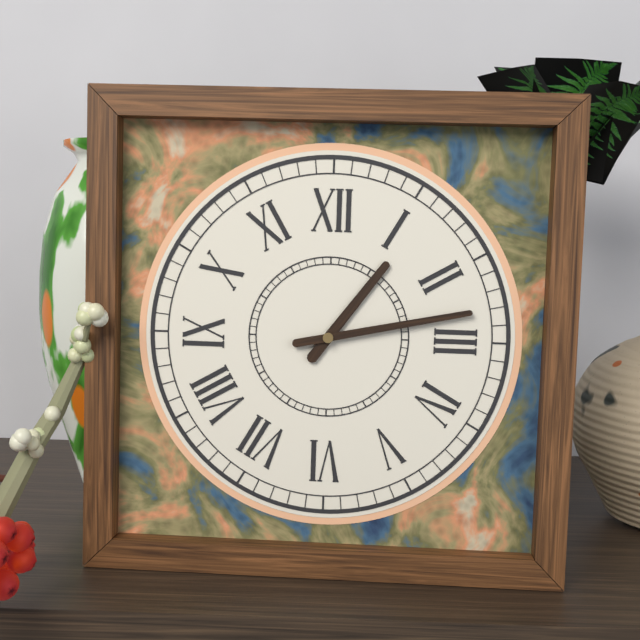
**1:13**
